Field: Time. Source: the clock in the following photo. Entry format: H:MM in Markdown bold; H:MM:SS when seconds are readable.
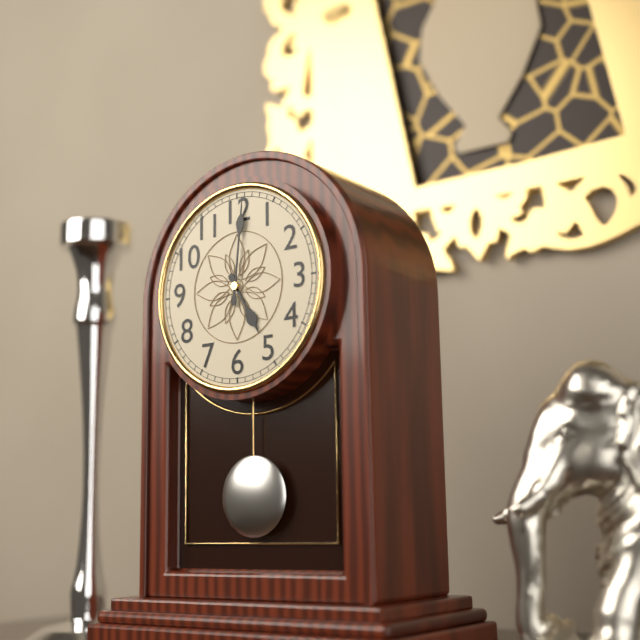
**5:01**
